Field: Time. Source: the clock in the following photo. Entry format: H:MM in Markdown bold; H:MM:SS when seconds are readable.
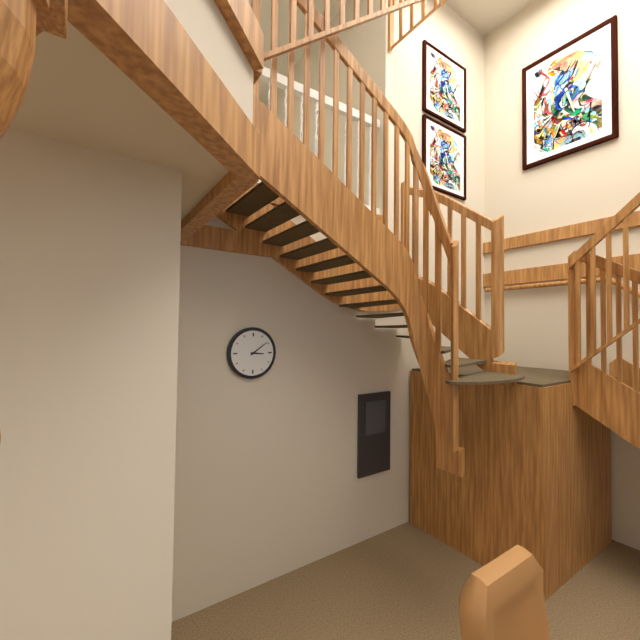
**3:09**
